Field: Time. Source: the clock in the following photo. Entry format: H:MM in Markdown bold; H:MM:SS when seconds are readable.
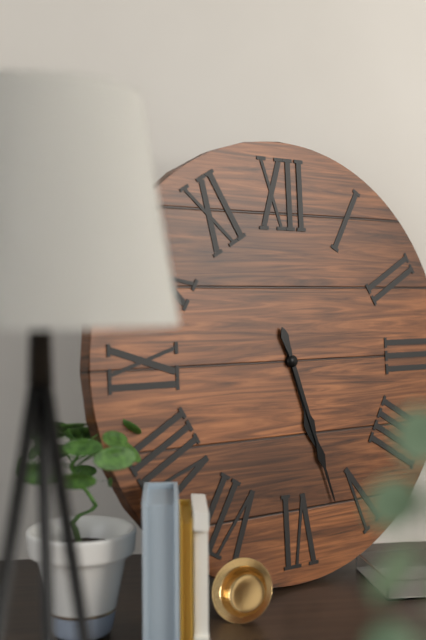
**5:27**
